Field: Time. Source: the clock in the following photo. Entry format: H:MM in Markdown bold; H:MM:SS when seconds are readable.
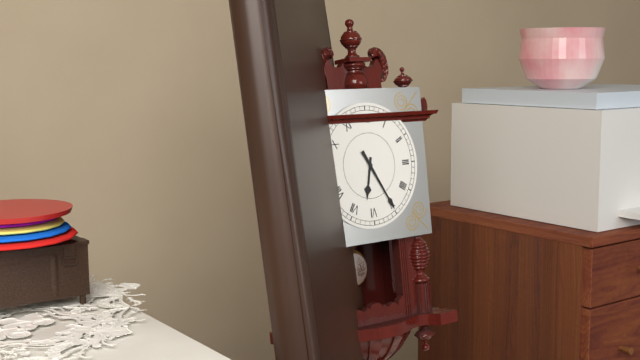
**6:25**
